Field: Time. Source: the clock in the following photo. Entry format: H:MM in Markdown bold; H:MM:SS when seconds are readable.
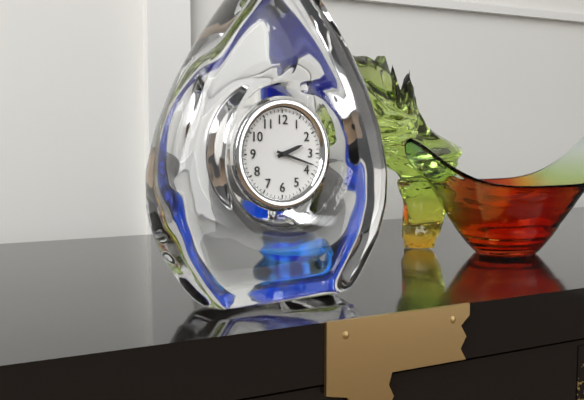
**2:18**
